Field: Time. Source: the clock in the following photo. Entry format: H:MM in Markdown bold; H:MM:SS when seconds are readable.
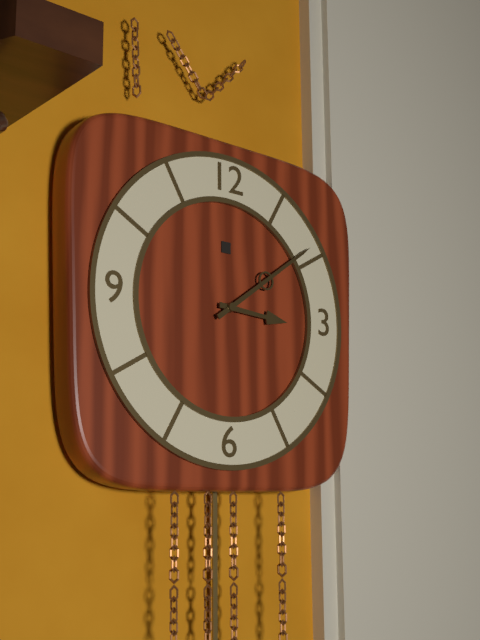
**3:09**
